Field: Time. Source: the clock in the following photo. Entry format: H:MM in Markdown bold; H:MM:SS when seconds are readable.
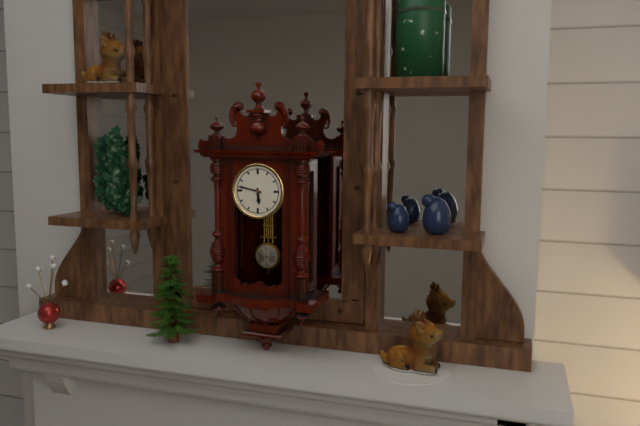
**5:47**
